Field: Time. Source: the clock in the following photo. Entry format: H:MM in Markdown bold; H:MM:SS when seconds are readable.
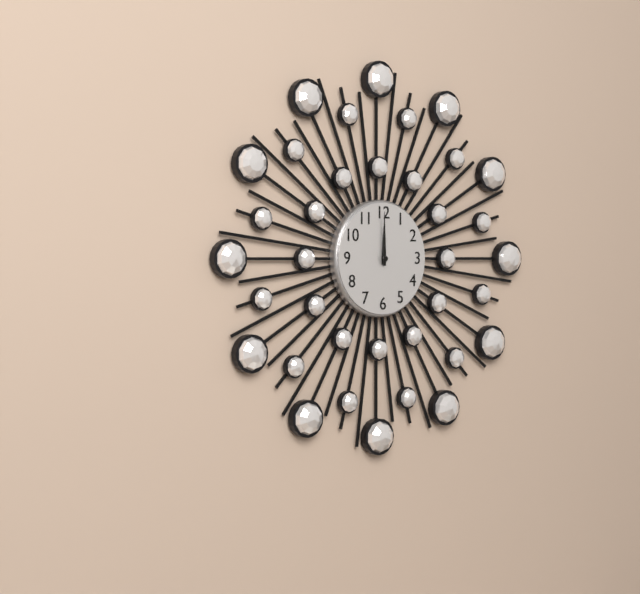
**12:00**
